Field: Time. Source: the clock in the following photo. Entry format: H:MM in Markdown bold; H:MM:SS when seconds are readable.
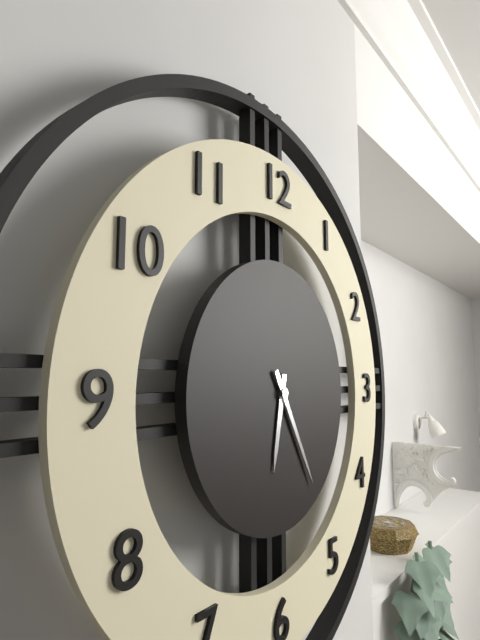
**6:25**
